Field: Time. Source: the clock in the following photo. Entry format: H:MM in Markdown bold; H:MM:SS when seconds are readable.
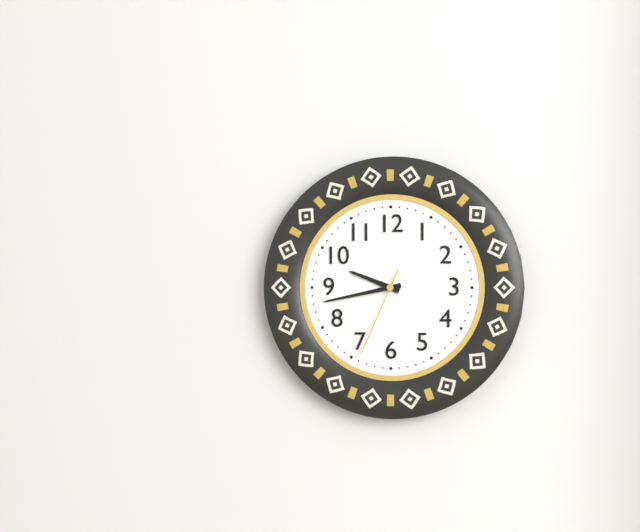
**9:43:34**
